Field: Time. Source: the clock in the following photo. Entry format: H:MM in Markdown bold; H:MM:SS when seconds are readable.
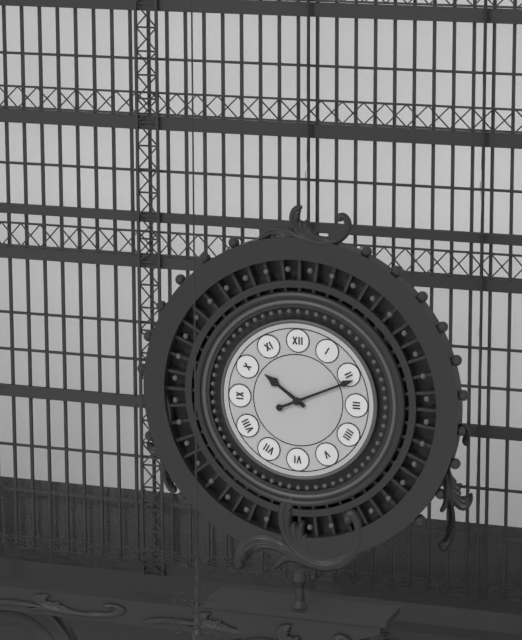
**10:11**
